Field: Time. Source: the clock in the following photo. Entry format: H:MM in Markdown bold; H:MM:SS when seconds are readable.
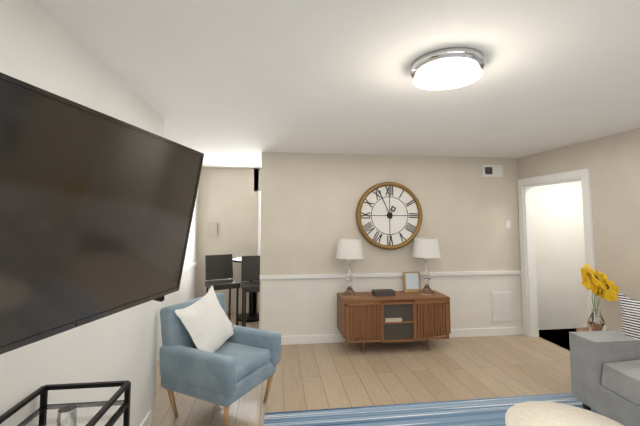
**12:56**
